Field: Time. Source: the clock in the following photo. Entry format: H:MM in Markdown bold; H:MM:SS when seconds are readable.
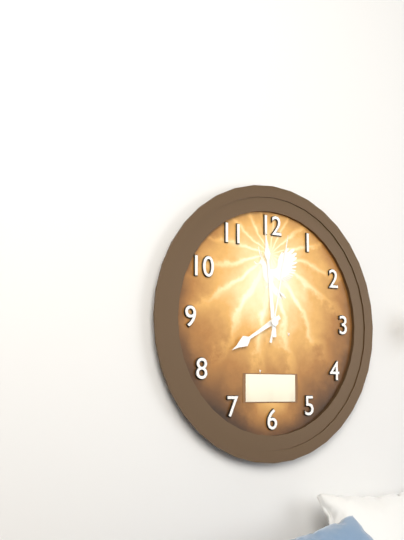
**7:59:02**
